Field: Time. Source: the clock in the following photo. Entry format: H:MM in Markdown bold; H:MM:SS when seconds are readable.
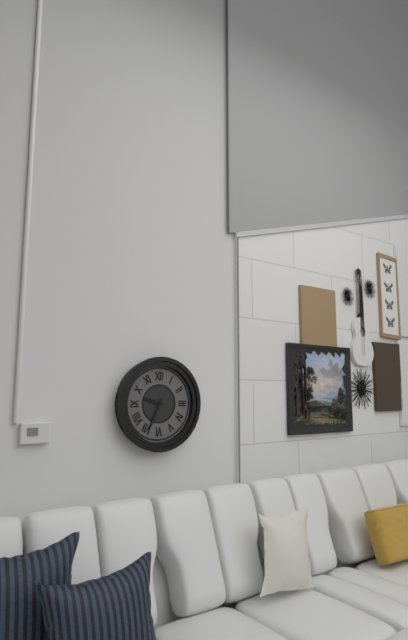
**9:34**
